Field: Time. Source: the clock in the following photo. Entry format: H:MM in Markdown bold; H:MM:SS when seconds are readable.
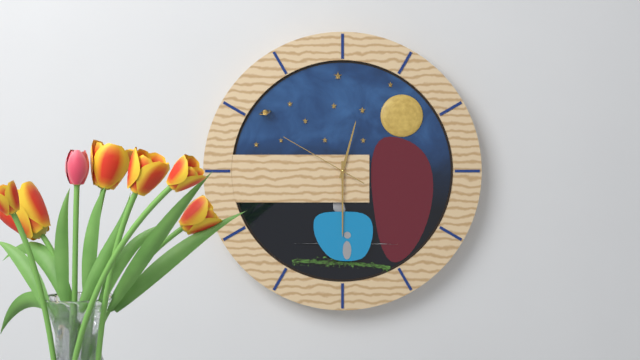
**12:30:50**
